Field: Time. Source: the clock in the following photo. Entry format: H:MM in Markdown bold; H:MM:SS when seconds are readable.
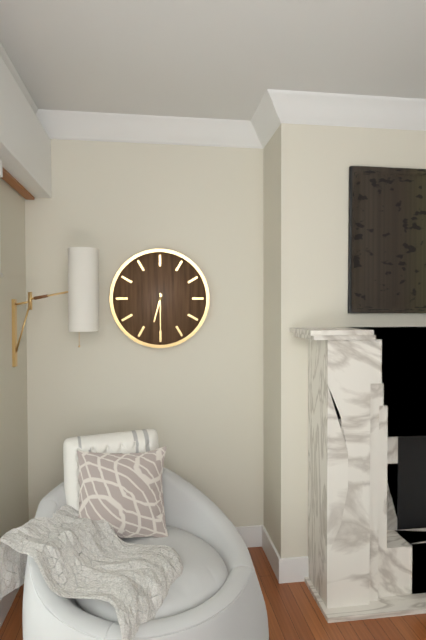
**6:30**
